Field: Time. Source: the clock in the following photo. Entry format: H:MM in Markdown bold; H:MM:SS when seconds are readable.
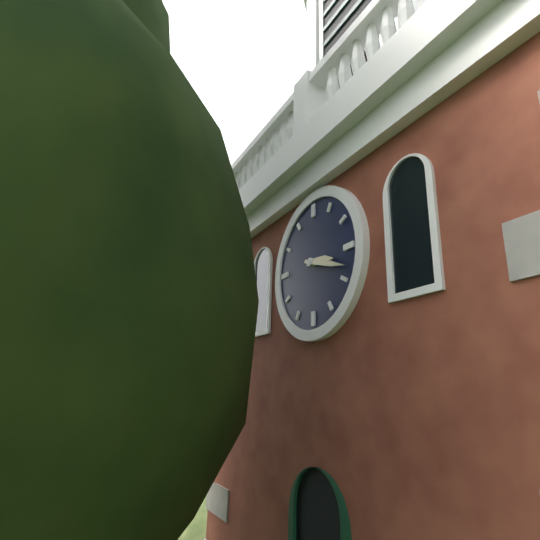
**3:18**
